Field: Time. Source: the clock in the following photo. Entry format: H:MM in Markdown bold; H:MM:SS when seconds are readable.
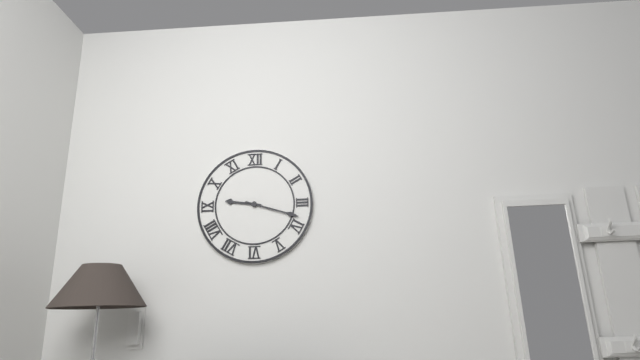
**9:18**
